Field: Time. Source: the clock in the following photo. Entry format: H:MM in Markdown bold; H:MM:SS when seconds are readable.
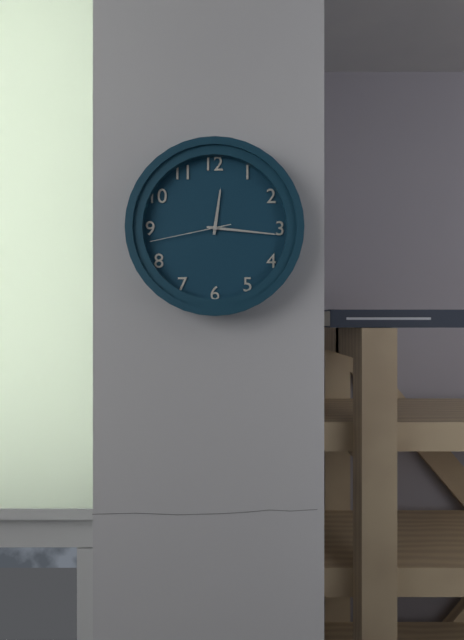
**12:16:43**
